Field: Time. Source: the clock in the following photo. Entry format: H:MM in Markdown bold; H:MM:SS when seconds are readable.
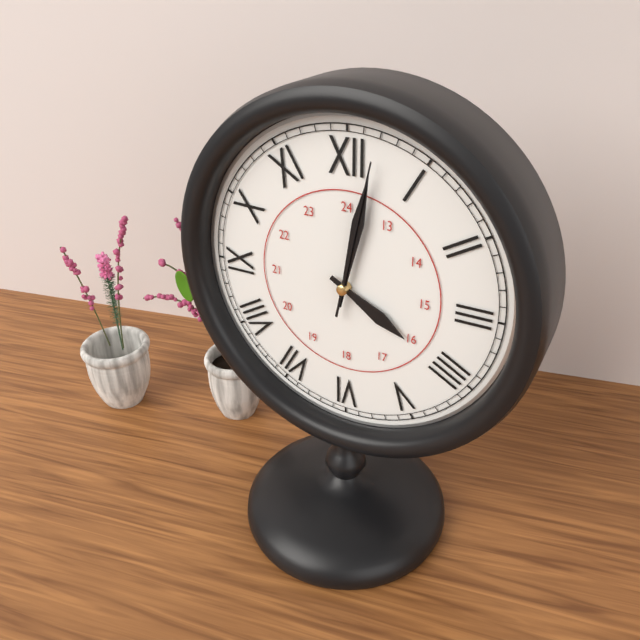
**4:02:02**
